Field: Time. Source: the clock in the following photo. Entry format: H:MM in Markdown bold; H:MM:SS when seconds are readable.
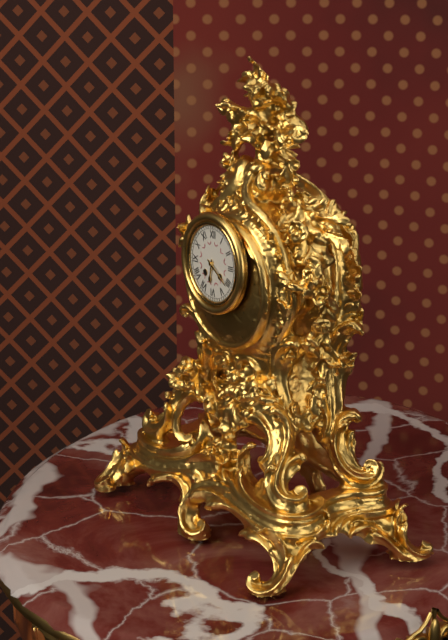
**6:21**
